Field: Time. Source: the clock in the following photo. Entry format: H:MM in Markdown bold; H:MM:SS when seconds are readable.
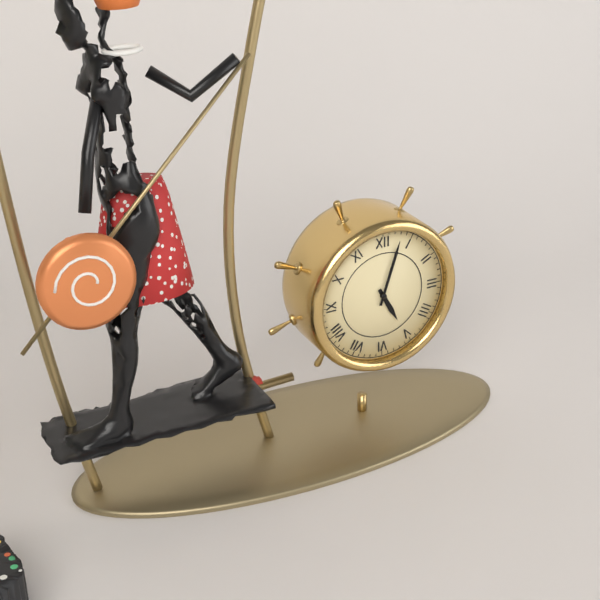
**5:03**
